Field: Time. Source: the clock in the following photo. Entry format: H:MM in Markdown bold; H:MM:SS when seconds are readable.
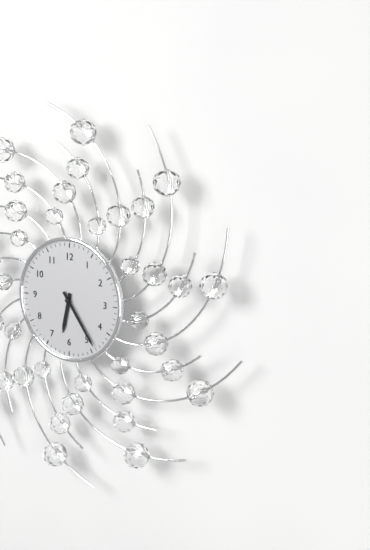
**6:24**
